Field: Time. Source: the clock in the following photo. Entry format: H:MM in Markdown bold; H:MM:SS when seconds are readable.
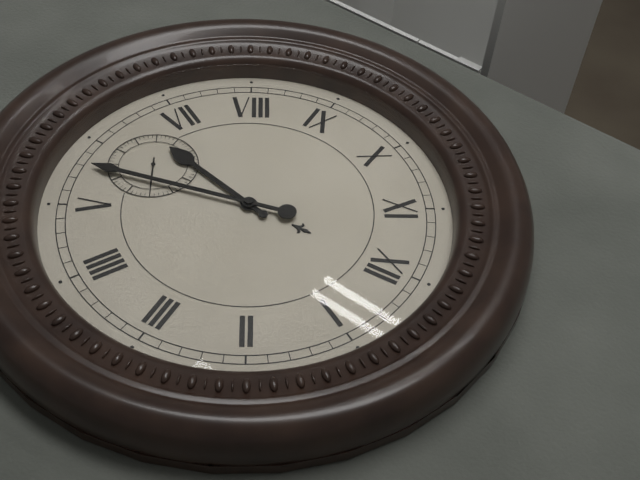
**6:28**
